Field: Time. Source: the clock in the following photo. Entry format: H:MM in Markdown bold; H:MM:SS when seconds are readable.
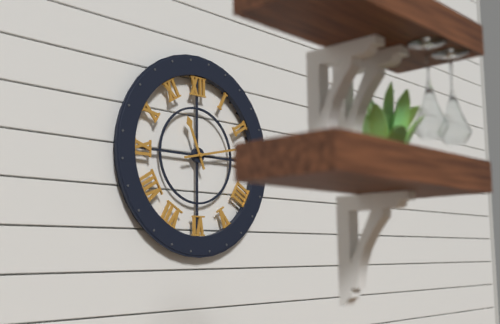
**11:13**
